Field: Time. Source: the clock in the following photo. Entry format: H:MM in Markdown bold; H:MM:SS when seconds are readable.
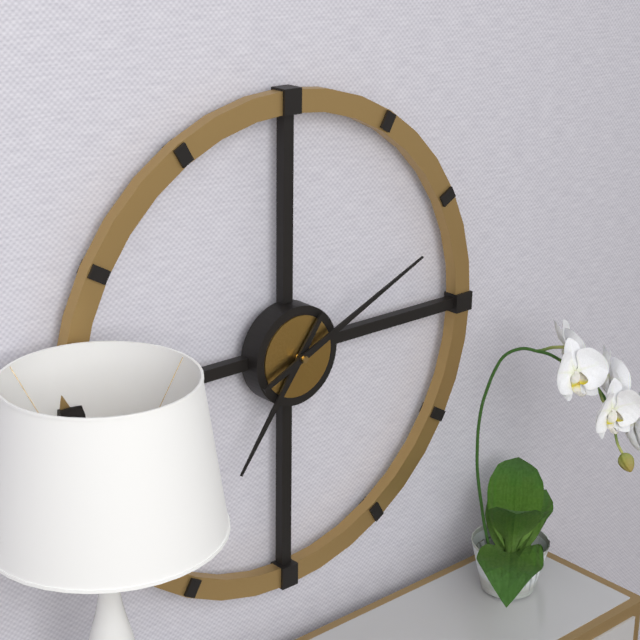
**7:11**
